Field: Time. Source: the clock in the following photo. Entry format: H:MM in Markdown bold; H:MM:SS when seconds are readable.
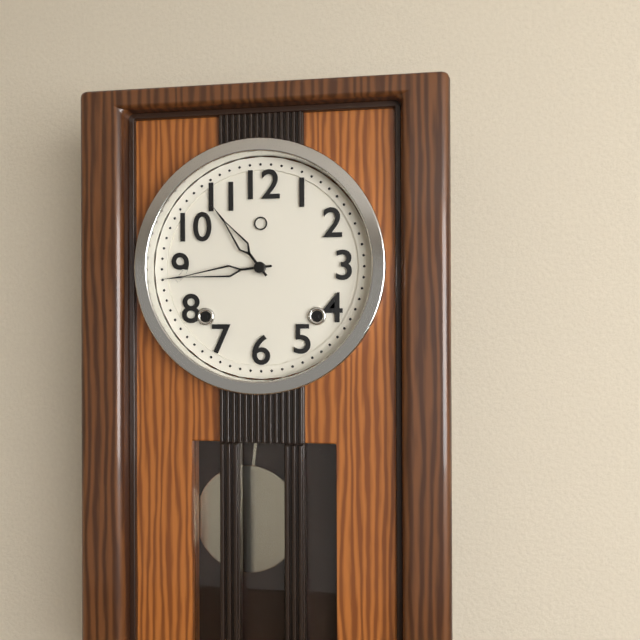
**10:44**
